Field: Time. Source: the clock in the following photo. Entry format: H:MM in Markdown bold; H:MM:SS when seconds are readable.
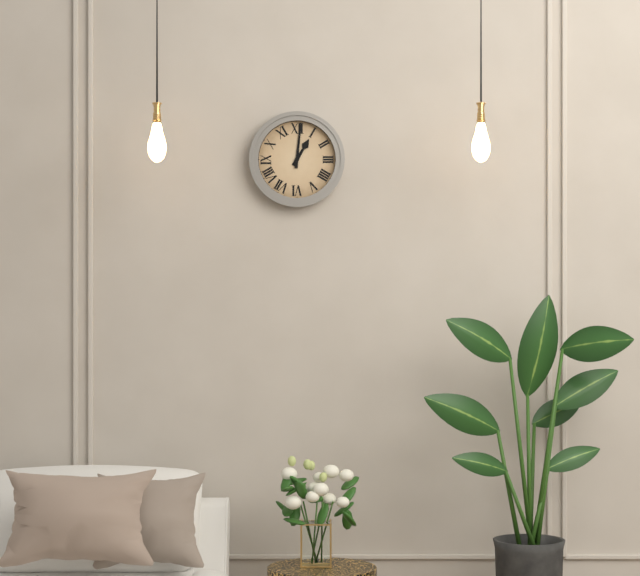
**1:01**
